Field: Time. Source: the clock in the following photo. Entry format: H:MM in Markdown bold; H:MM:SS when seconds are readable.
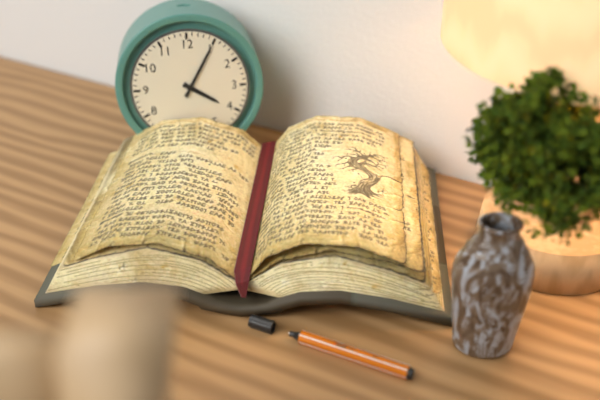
**4:05**
